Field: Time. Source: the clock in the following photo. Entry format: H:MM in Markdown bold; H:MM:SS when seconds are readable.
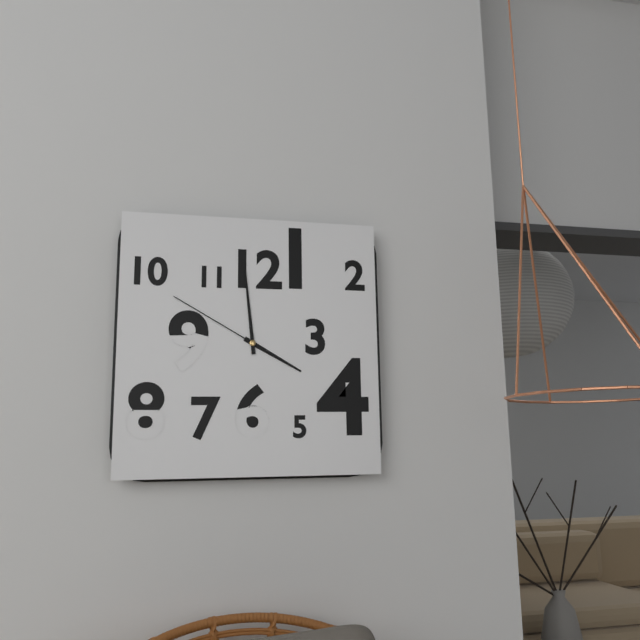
**3:59:50**
